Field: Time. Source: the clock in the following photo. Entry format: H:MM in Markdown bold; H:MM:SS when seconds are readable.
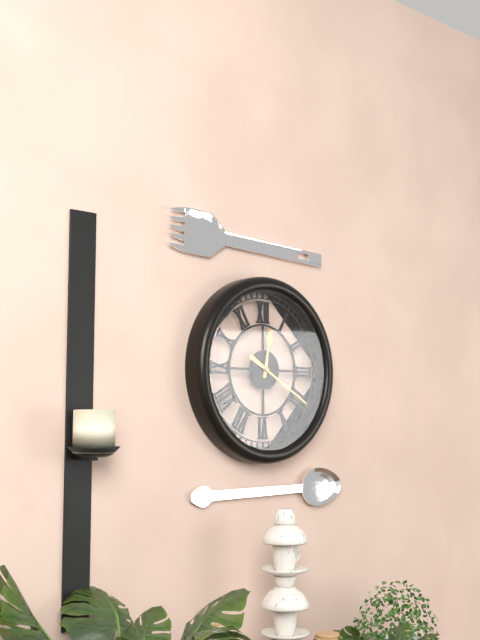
**12:20**
